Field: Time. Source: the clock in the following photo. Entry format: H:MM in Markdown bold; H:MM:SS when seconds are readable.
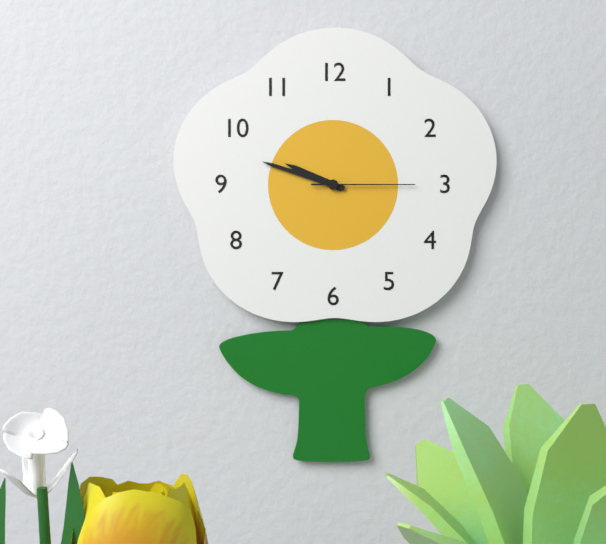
**9:48:15**
